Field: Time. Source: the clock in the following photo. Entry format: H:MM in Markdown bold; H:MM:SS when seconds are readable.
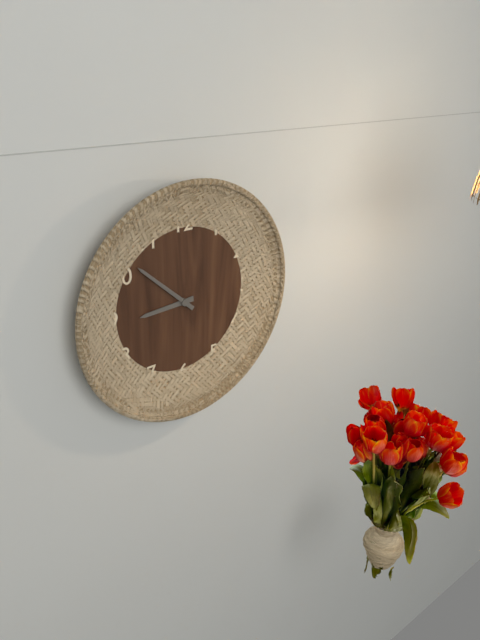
**8:52**
